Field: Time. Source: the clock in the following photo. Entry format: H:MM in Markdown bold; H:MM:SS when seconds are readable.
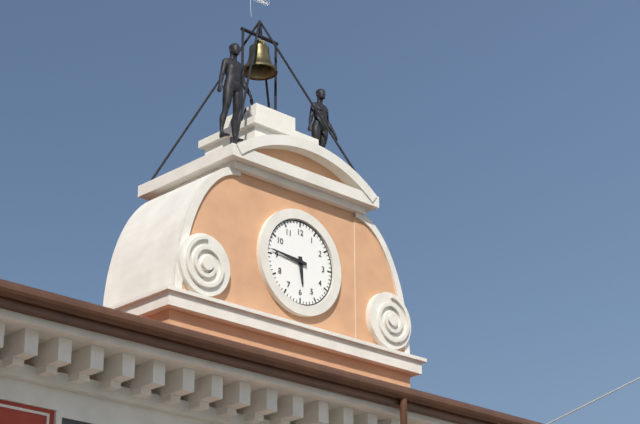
**5:46**
